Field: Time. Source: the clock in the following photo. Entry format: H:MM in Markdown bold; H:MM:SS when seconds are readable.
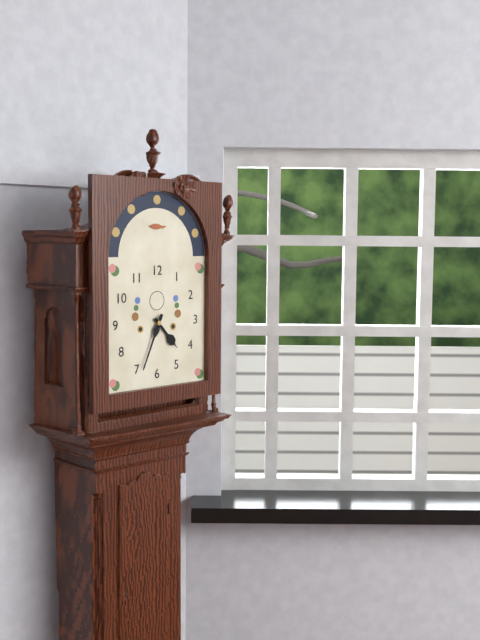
**4:34**
